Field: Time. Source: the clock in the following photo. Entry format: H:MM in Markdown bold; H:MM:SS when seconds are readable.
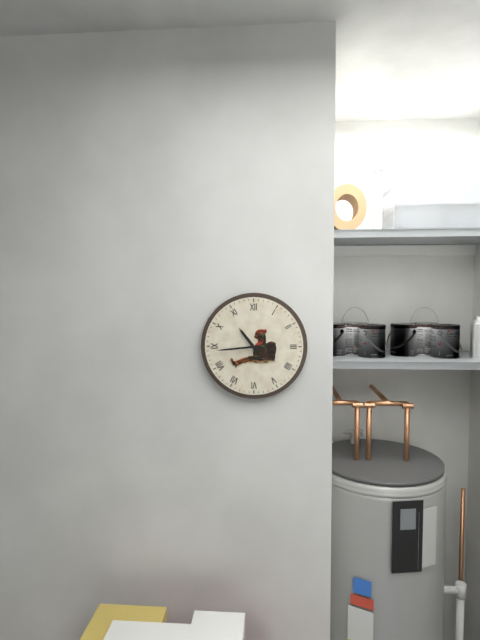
**10:44**
